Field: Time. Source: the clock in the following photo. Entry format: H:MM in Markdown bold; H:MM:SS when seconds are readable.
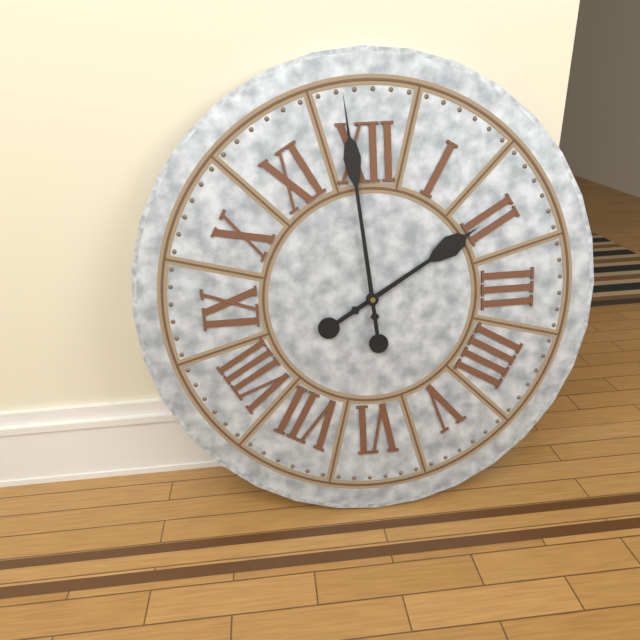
**1:59**
